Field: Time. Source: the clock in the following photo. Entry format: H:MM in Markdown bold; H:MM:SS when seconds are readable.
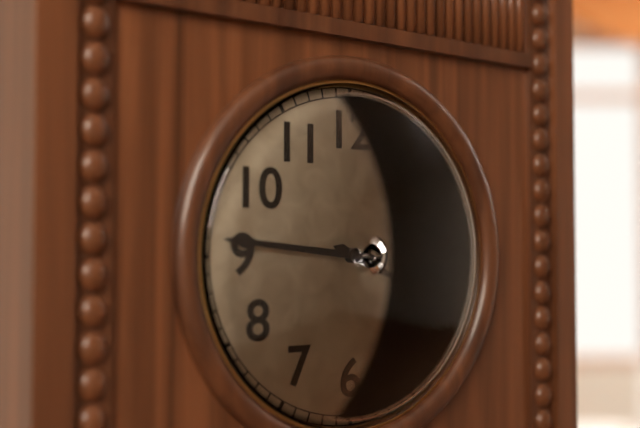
**3:46**
